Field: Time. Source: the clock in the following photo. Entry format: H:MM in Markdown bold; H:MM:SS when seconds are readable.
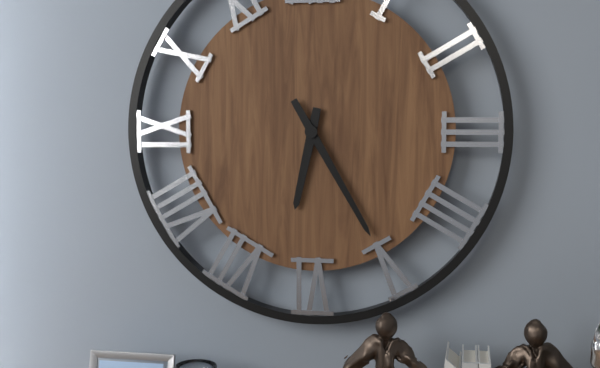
**6:25**
